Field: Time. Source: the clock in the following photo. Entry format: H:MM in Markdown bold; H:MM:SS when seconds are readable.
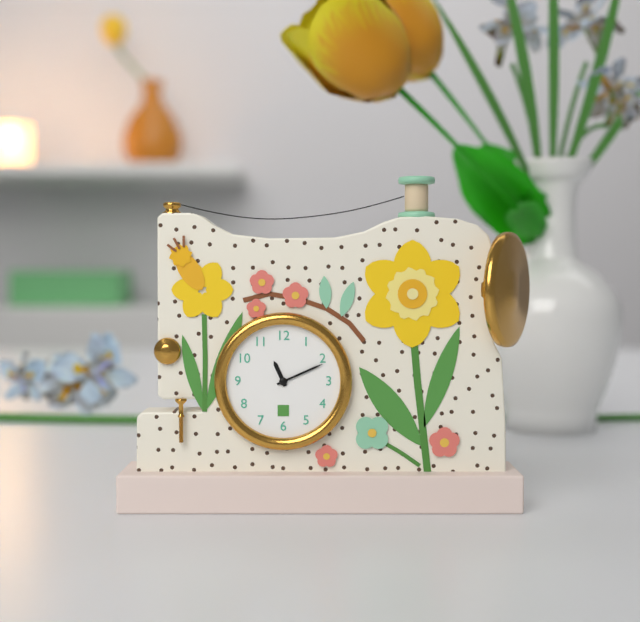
**11:11**
